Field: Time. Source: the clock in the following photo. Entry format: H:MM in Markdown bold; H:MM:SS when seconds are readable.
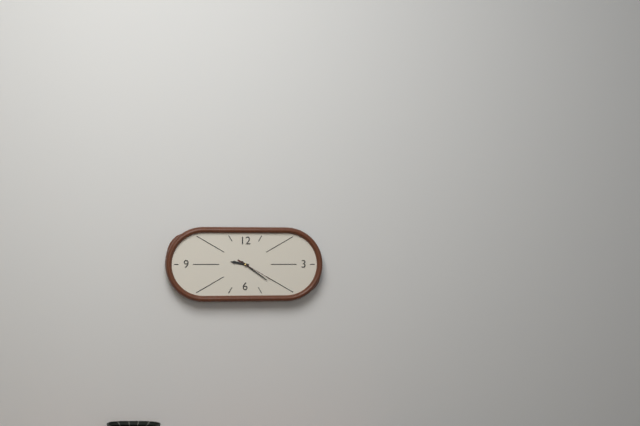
**9:21**
